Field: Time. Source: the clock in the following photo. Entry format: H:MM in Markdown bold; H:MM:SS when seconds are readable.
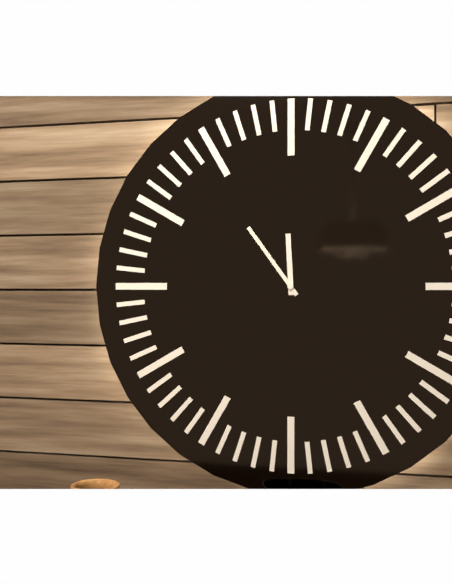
**11:54**
